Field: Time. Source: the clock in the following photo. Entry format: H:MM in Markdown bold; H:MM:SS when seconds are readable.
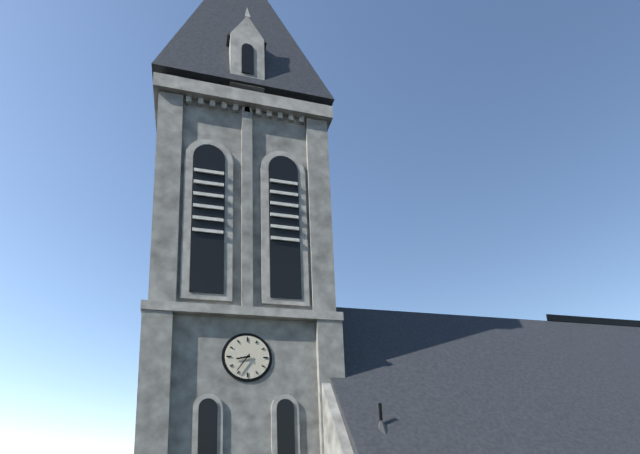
**8:36**
